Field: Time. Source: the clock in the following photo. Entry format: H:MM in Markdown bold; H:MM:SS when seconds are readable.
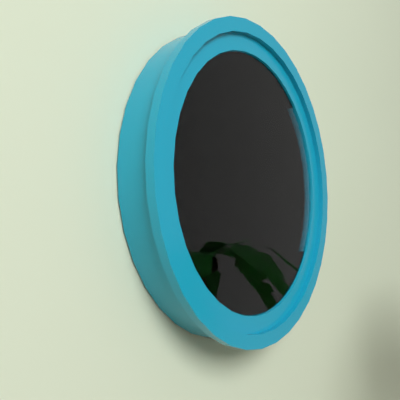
**3:20:07**
